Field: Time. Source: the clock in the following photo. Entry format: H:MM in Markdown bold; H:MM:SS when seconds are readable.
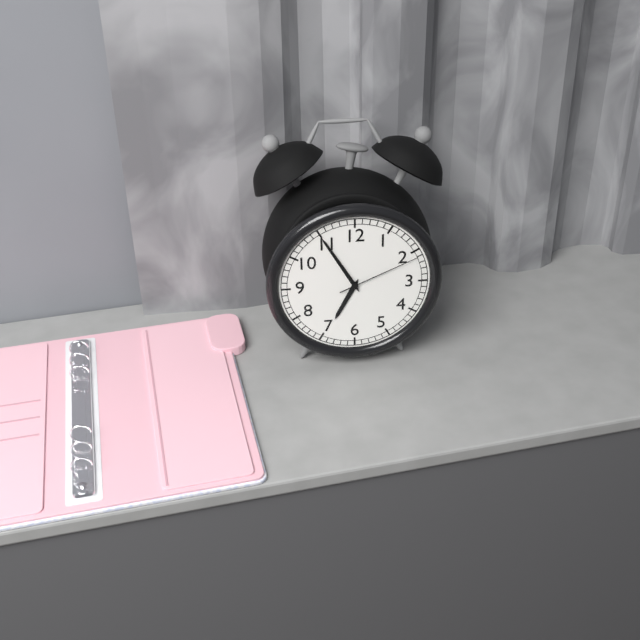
**6:55:11**
